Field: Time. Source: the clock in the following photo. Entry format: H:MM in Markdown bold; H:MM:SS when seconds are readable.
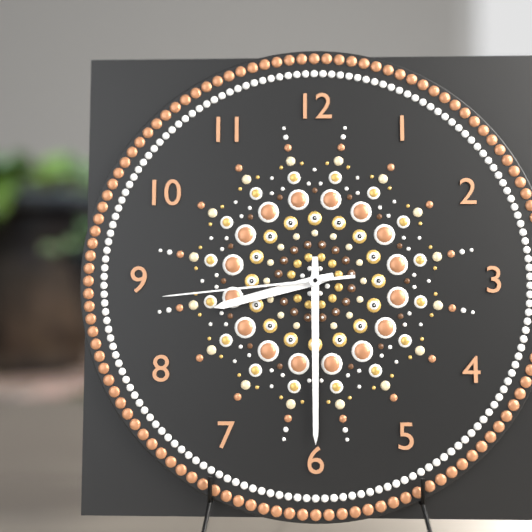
**8:30:44**
